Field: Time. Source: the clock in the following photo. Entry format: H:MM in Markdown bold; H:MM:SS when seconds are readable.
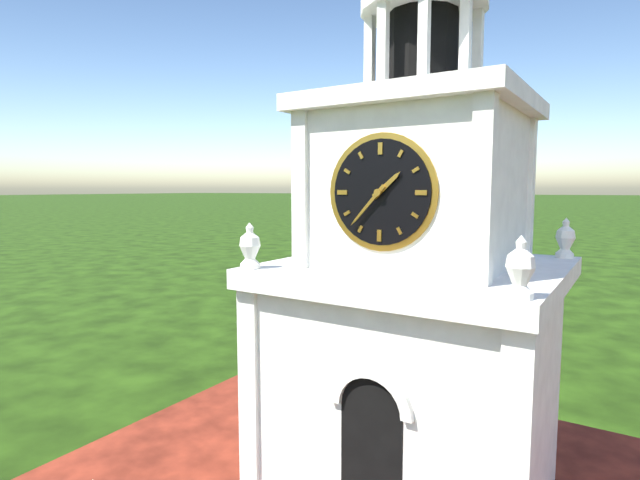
**1:37**
